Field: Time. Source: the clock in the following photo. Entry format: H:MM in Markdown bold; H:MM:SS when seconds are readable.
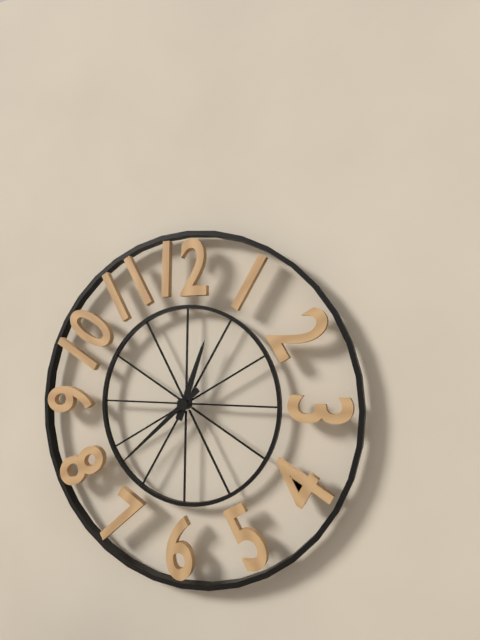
**12:38**
